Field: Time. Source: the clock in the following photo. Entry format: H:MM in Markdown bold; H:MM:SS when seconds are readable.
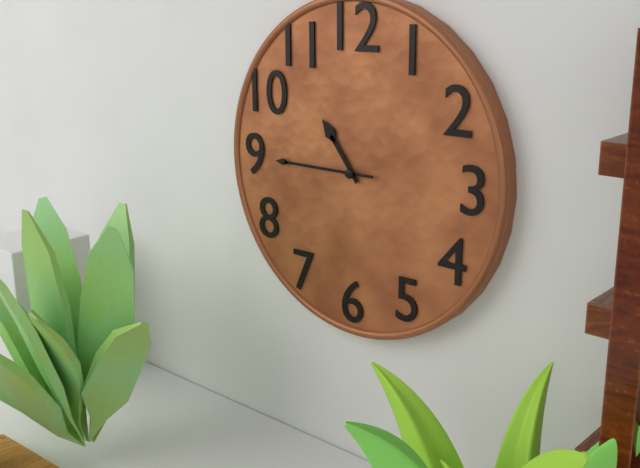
**10:45**
